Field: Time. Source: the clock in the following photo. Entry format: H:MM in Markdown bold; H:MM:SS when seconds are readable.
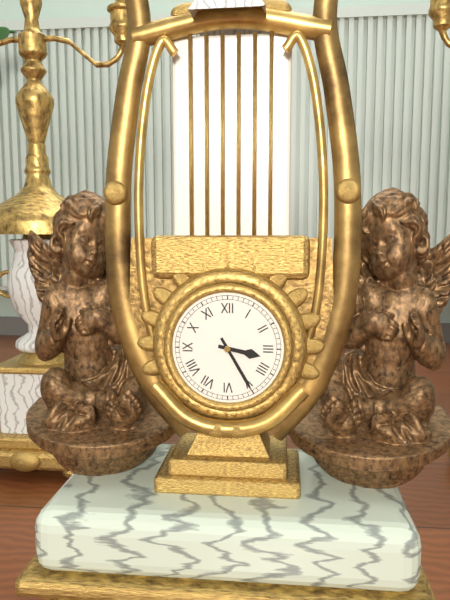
**3:25**
